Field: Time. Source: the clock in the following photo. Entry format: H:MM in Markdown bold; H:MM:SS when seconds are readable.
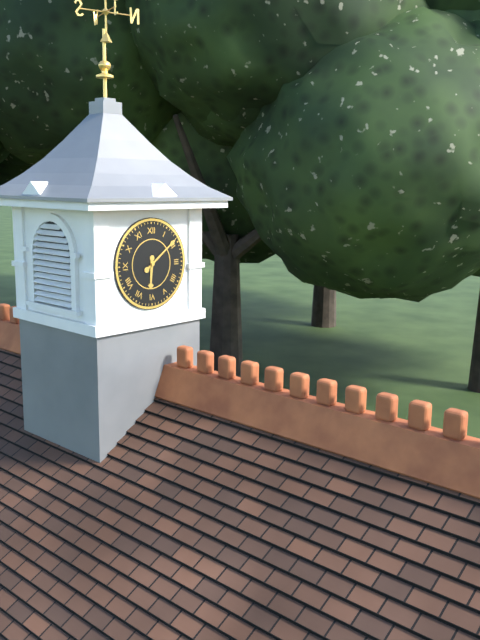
**6:09**
